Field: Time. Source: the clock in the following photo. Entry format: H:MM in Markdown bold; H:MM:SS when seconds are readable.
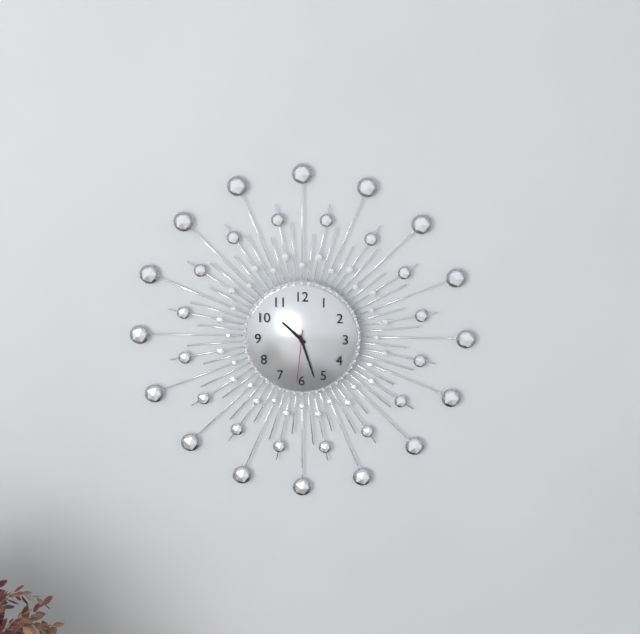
**10:27:31**
